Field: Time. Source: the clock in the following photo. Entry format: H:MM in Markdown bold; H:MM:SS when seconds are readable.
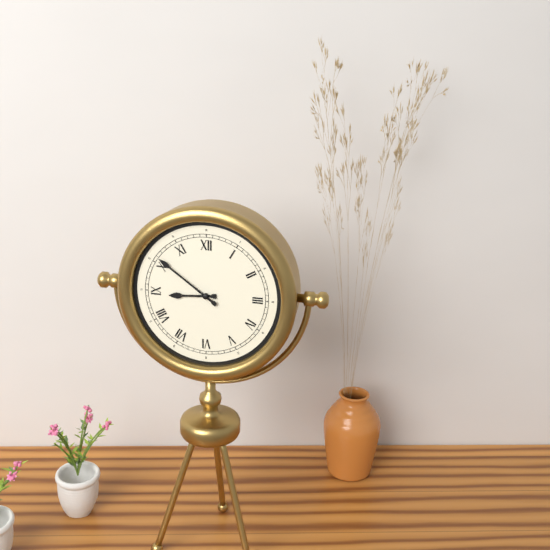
**8:51**
